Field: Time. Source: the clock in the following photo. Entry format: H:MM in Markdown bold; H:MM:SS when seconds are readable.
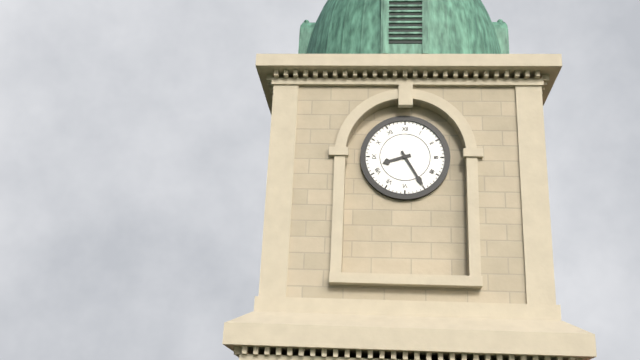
**8:25**
